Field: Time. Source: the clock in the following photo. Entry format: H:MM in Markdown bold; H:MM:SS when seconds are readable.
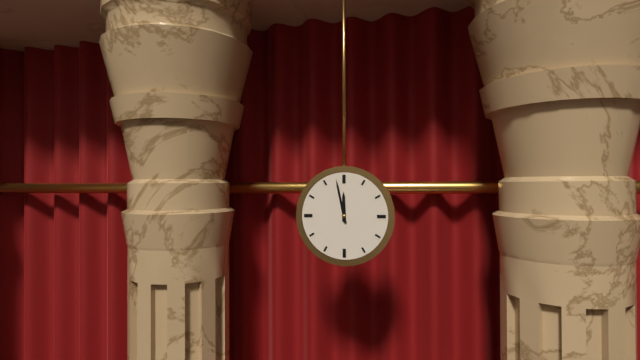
**11:58**
